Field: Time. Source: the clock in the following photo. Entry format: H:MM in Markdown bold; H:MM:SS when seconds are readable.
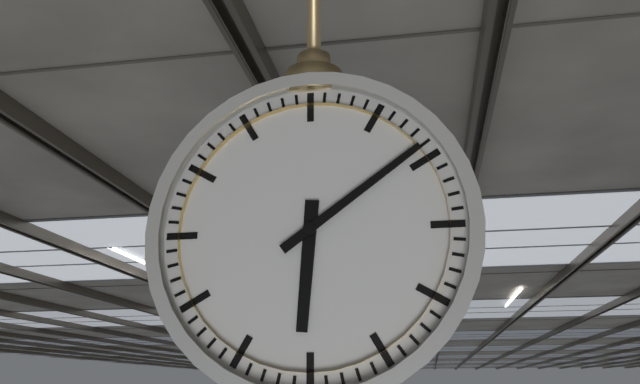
**6:09**
